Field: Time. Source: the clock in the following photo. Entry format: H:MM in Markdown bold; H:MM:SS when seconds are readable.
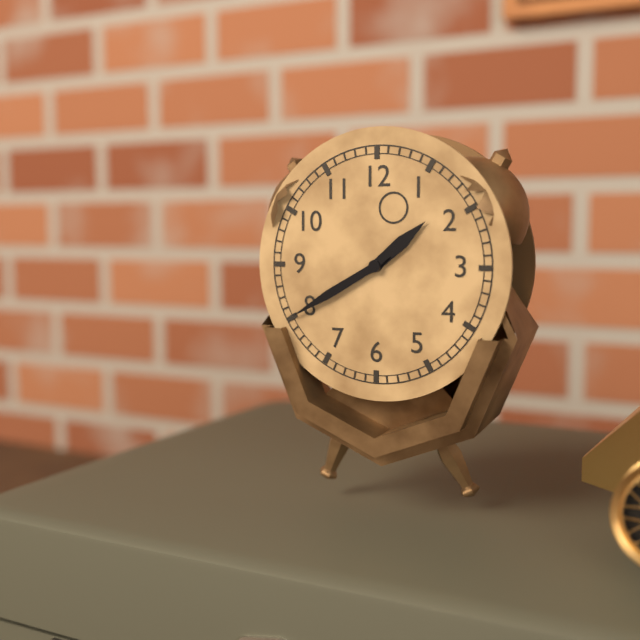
**1:40**
